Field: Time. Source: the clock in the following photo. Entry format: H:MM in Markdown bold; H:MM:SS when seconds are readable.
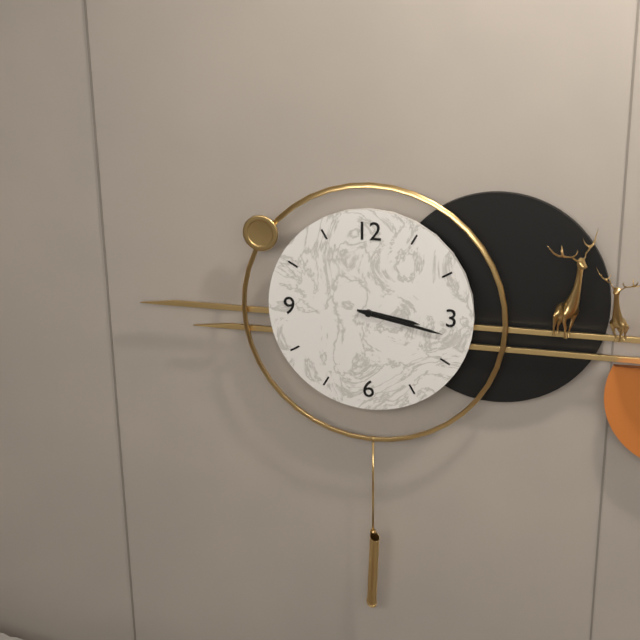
**3:17**
